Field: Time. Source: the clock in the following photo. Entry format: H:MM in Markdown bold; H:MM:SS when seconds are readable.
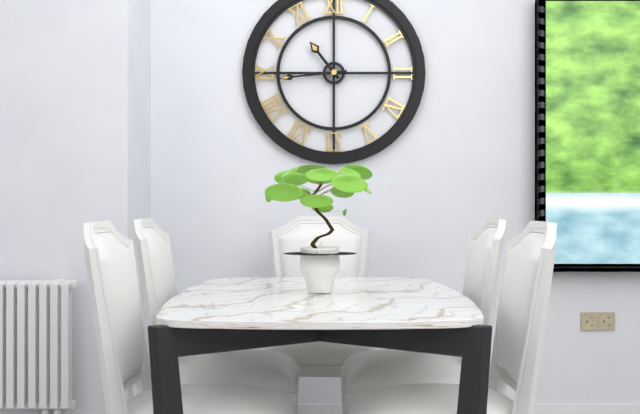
**10:44**
